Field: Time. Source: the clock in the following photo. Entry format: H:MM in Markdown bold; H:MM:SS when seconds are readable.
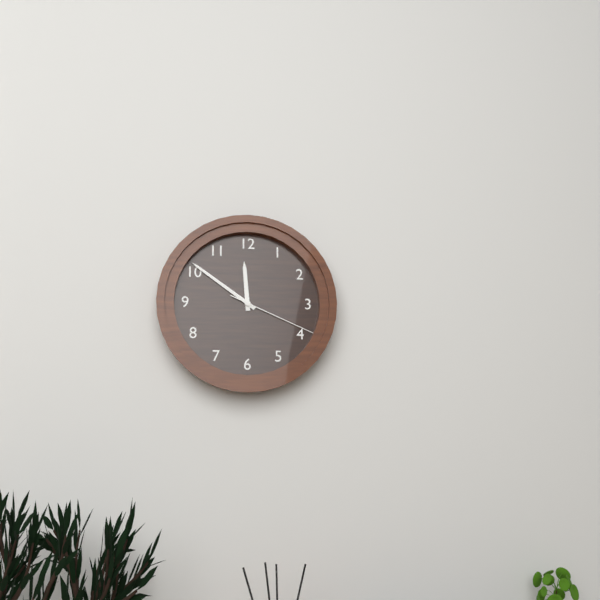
**11:51:19**
